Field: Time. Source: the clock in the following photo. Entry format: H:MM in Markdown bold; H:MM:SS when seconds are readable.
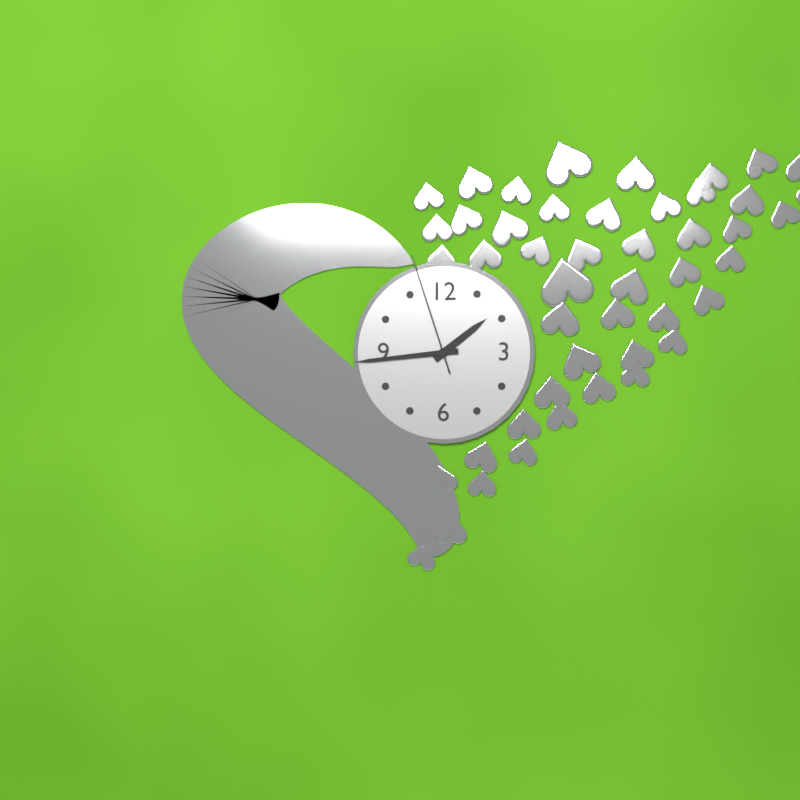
**1:44:57**
